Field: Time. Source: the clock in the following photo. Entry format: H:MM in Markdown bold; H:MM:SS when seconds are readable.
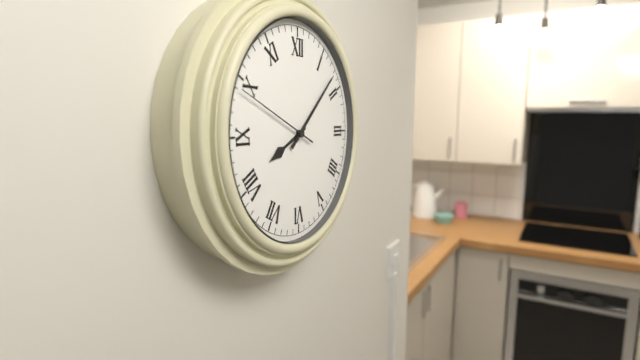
**8:08:49**
